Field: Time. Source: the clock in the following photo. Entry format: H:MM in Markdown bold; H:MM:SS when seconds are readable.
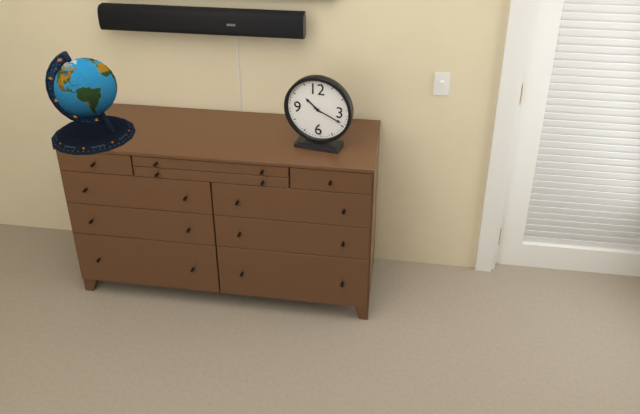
**10:19**
